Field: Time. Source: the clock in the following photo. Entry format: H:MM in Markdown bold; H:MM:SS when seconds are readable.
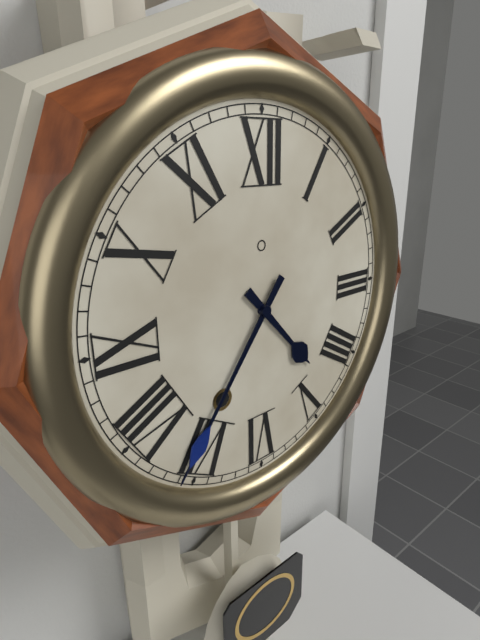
**4:36**
